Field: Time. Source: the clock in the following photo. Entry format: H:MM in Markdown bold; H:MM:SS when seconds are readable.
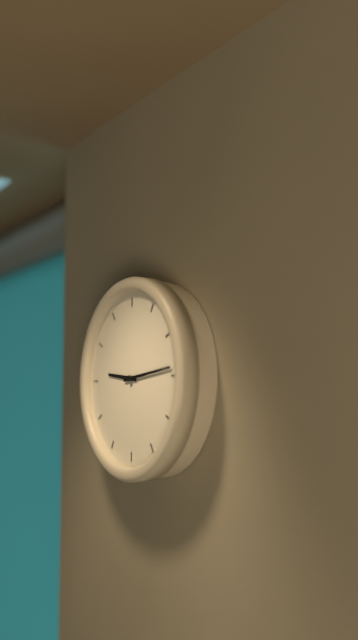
**9:14**
